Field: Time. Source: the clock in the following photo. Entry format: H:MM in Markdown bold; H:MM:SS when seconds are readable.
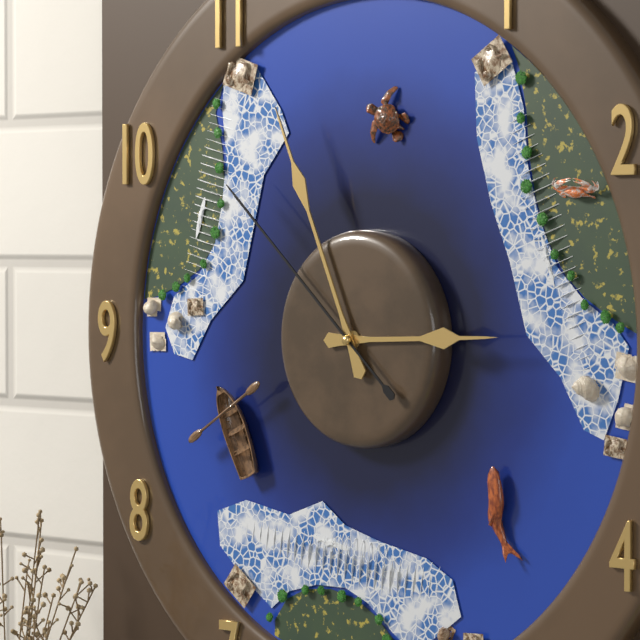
**2:56:52**
